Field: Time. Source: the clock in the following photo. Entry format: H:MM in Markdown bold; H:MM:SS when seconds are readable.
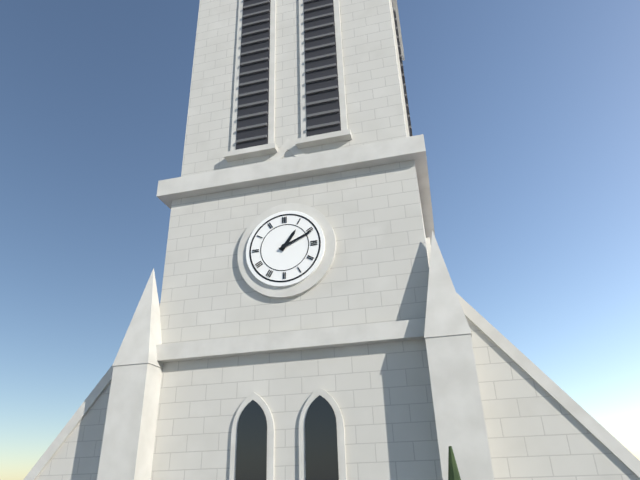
**1:11**
